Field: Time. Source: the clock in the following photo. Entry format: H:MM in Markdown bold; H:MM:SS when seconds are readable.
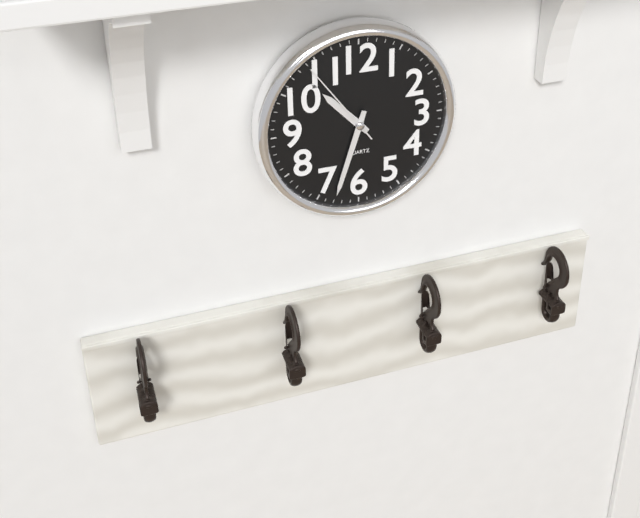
**10:33:54**
